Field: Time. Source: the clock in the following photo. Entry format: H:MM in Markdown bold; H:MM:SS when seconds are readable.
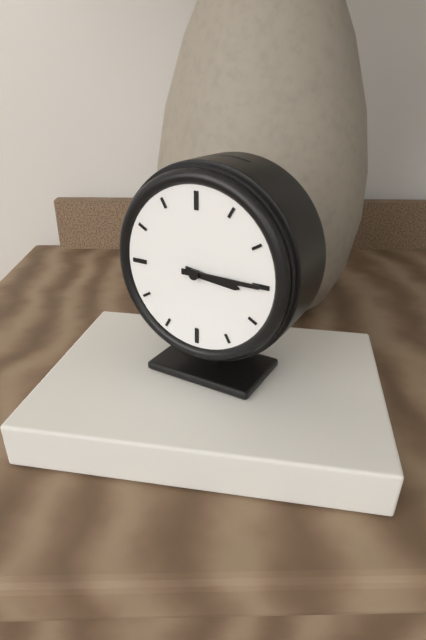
**3:15**
